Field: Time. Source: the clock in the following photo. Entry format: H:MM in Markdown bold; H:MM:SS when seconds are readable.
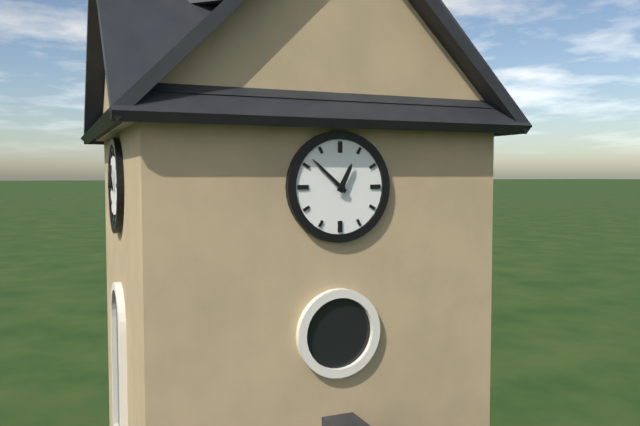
**12:52**
